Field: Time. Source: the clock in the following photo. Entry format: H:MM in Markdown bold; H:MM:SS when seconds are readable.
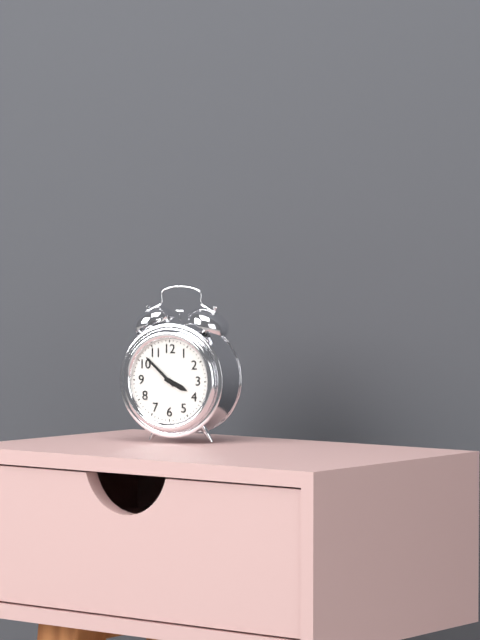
**3:52**
